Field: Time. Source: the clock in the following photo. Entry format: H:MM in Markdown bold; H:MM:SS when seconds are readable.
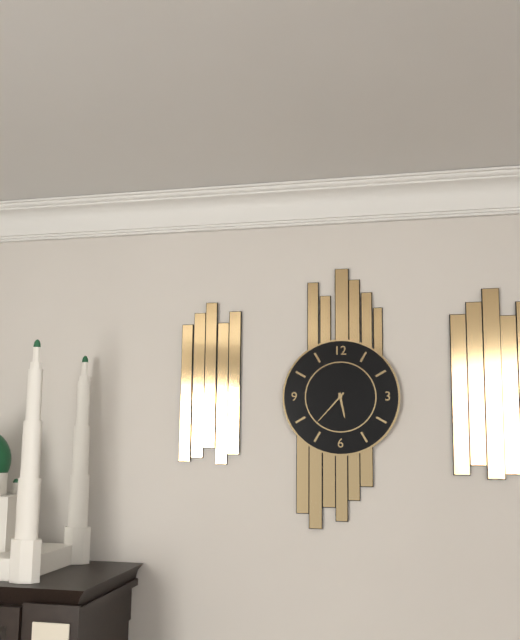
**5:37**
